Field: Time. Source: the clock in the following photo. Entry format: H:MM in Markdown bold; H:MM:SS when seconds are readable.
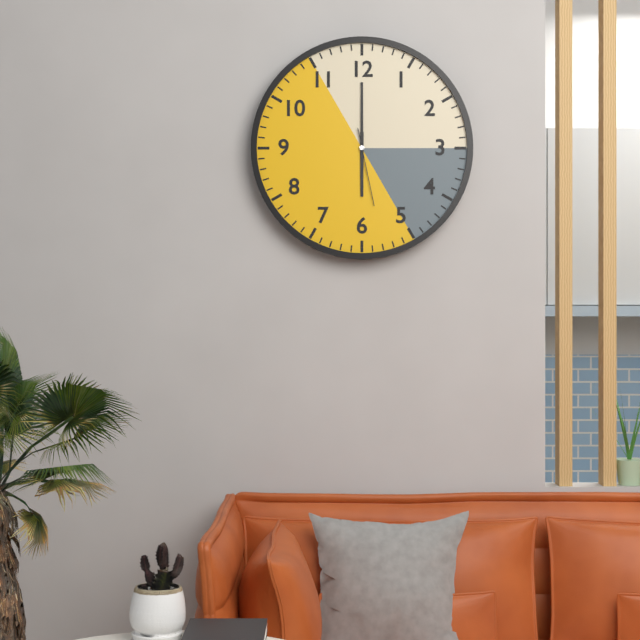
**6:00:28**
